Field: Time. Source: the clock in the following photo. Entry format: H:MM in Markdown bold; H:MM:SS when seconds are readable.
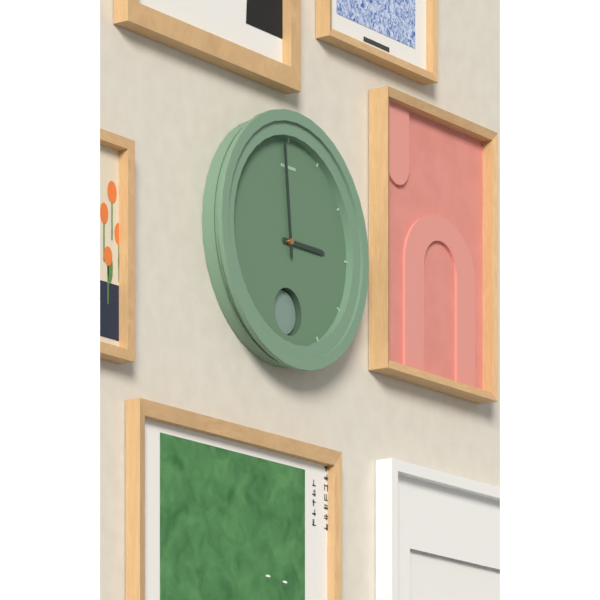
**2:59**
